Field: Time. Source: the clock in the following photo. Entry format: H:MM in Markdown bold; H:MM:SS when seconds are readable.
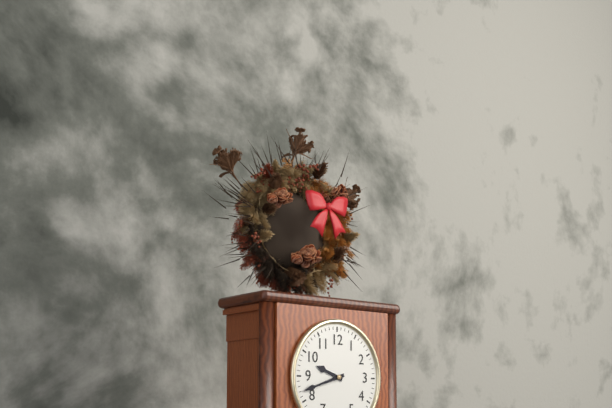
**9:42**
